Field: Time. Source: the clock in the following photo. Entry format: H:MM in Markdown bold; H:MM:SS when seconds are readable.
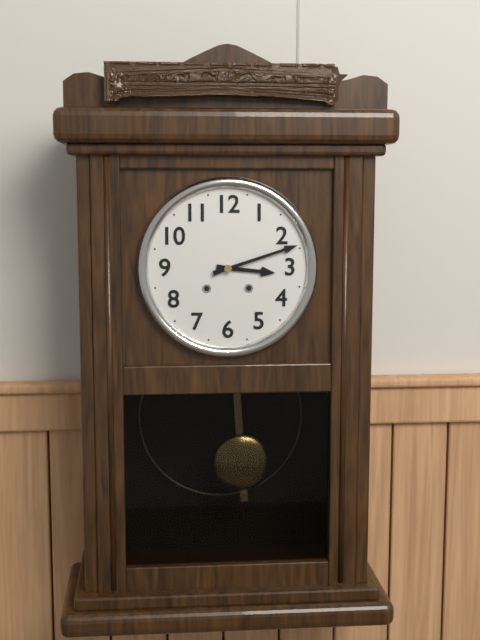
**3:12**
